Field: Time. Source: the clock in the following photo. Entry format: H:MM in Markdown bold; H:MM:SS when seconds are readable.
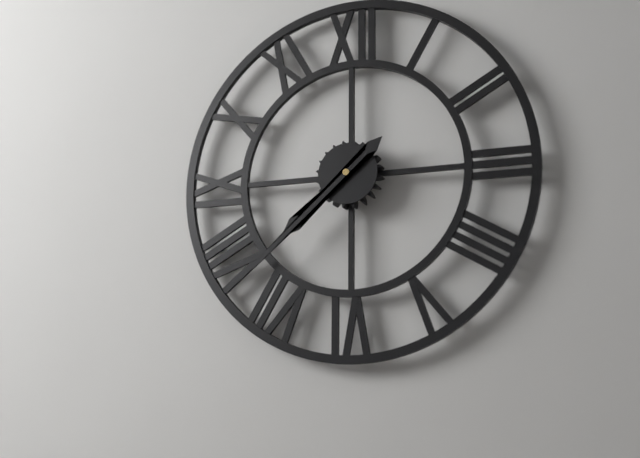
**7:38**
